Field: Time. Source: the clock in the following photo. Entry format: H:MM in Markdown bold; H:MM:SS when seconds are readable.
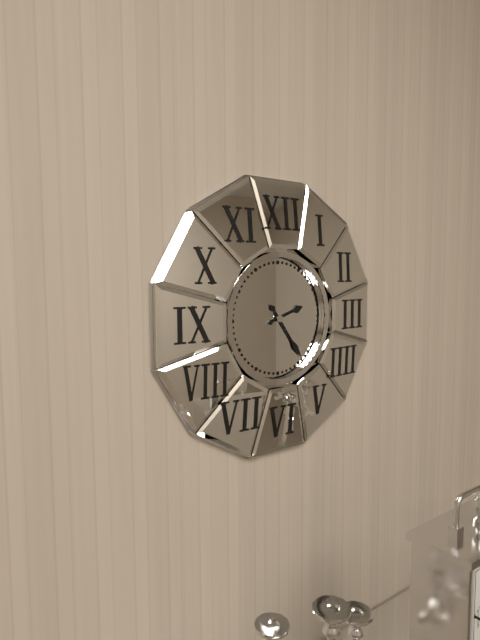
**2:24**
